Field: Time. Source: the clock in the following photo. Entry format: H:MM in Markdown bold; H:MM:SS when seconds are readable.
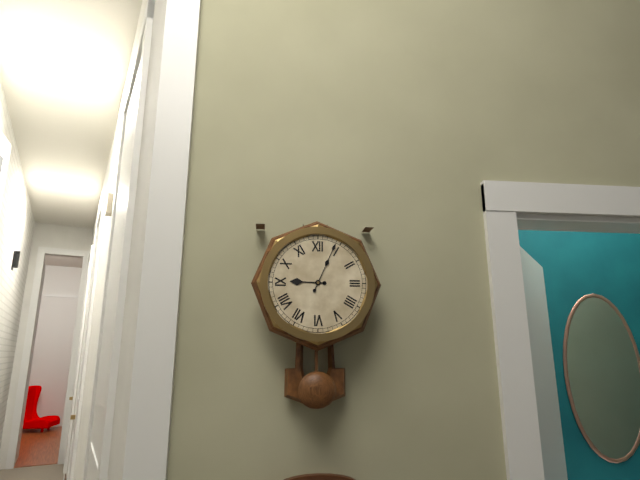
**9:04**
